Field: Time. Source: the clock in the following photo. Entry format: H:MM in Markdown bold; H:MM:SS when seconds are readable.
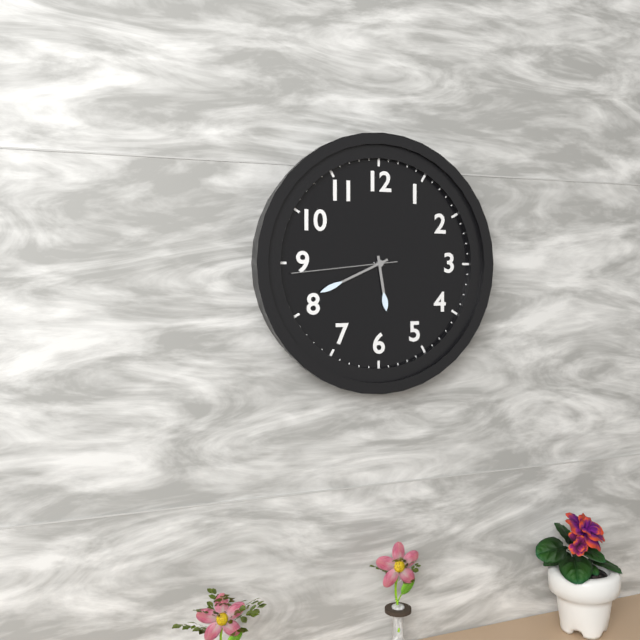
**5:41:44**
